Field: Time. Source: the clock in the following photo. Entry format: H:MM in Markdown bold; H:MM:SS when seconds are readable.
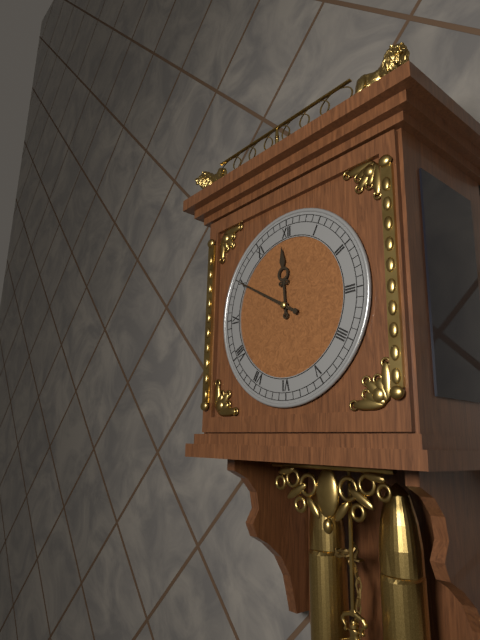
**11:50**
